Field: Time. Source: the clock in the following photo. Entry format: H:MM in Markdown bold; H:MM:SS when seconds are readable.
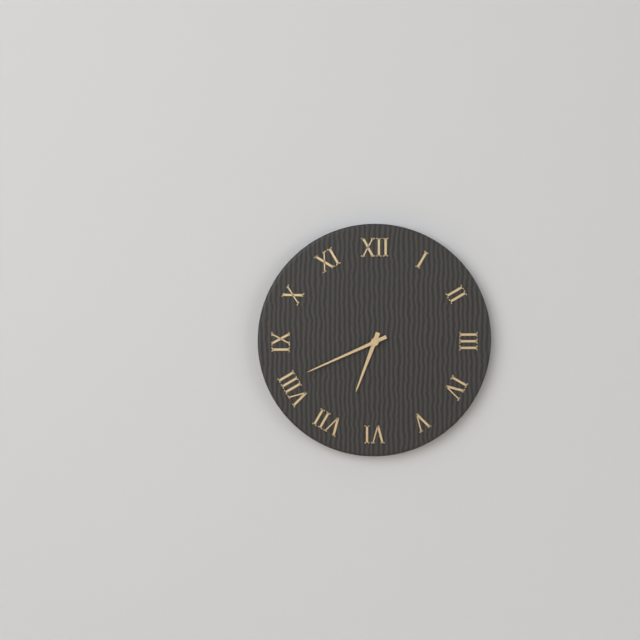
**6:41**
